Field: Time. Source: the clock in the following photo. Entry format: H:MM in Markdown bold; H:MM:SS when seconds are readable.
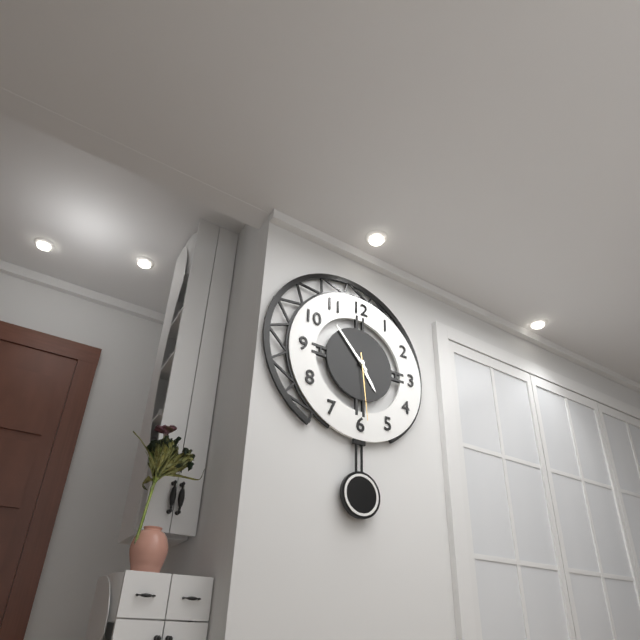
**4:53:29**
